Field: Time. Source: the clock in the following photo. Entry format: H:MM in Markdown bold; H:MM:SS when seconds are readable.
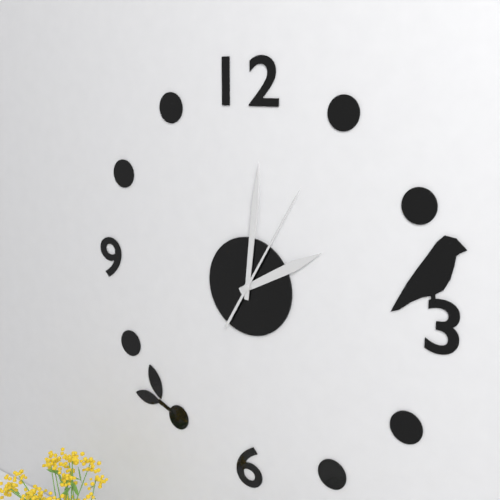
**2:01:05**
